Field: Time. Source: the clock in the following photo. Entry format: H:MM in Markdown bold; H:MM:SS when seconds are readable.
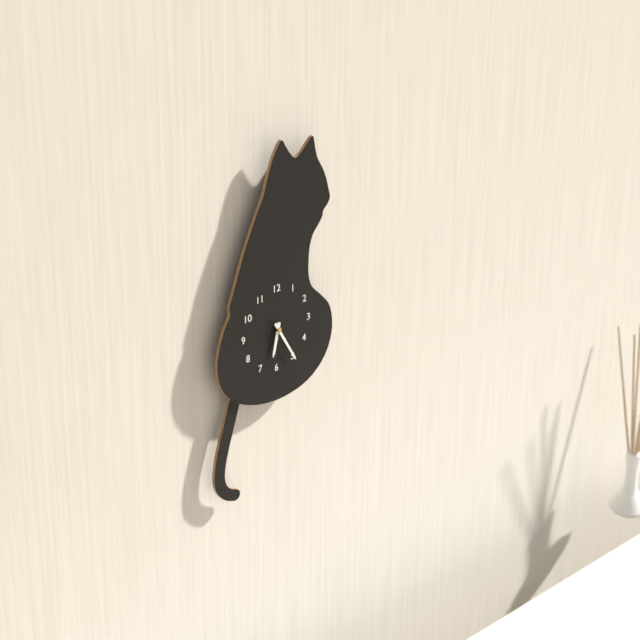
**6:25**
